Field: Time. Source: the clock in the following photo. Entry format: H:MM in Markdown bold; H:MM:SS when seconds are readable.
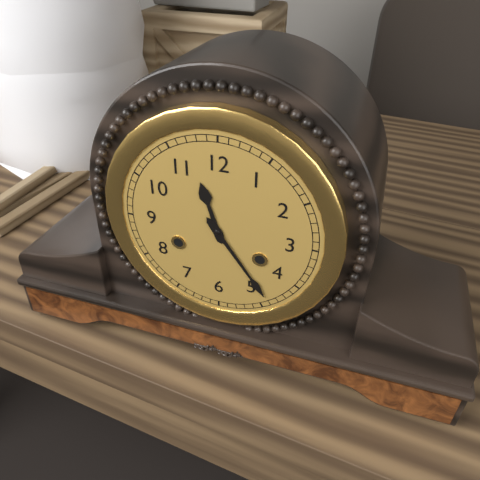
**11:24**
